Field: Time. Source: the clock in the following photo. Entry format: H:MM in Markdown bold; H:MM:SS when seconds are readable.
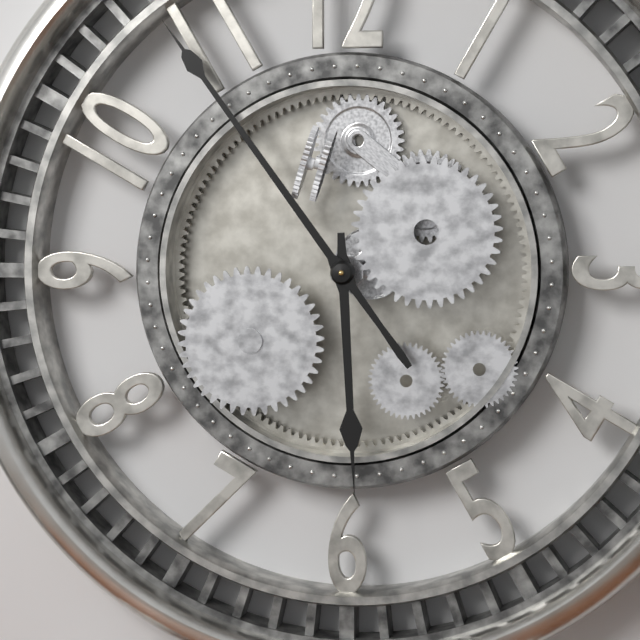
**5:54**
